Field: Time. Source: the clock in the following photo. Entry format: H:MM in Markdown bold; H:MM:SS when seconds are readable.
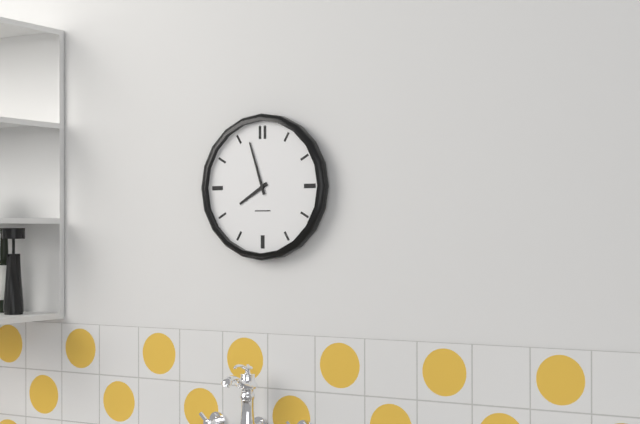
**7:57**
